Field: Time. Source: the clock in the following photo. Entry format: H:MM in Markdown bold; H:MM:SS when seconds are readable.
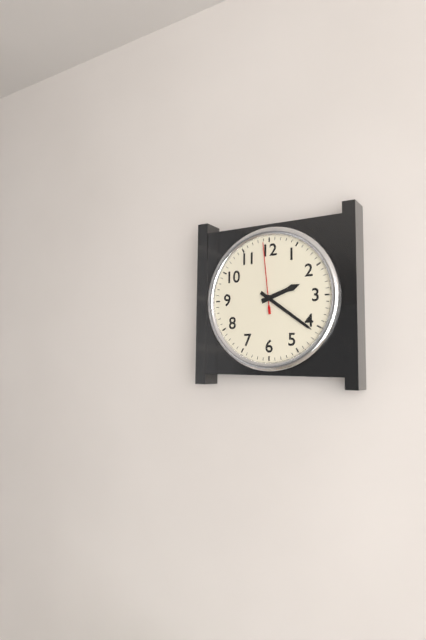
**2:21:59**
